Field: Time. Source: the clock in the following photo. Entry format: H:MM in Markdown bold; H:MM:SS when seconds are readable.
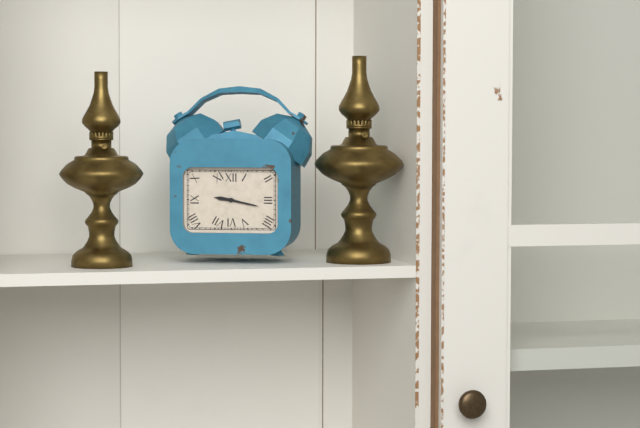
**9:17**
